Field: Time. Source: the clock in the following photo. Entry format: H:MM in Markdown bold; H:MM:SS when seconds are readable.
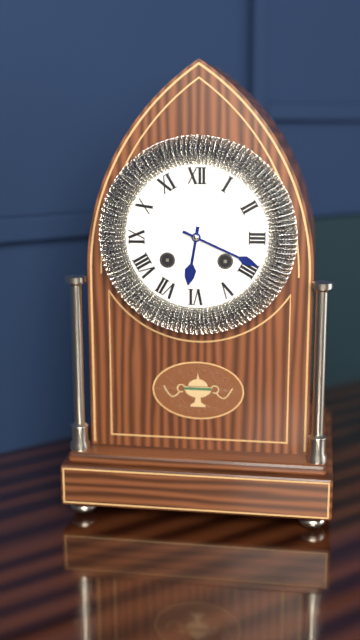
**6:19**
